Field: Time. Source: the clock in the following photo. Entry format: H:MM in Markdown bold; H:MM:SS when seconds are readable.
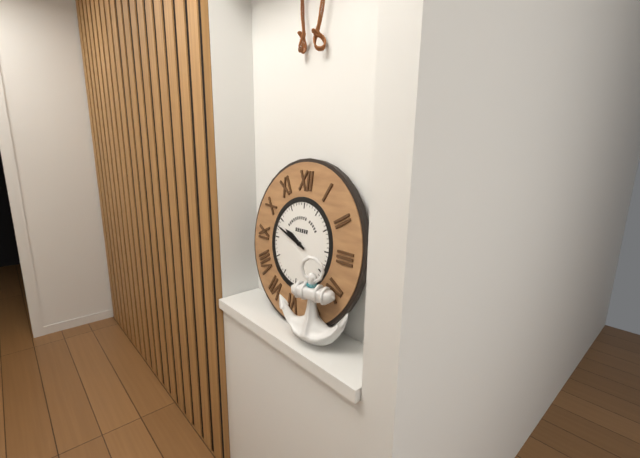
**9:48**
